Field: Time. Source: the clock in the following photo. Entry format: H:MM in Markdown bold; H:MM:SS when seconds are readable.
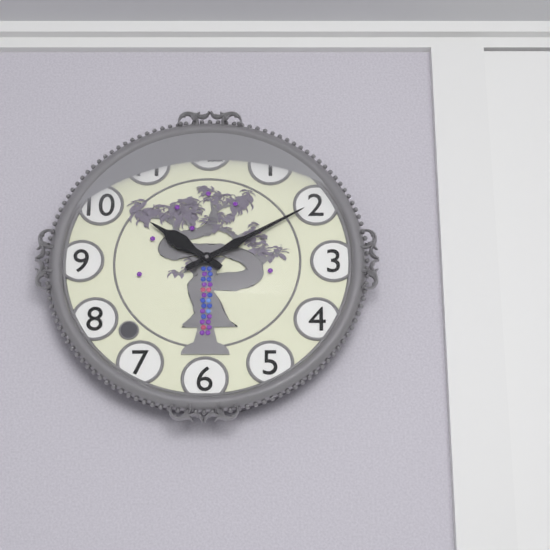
**10:10**
